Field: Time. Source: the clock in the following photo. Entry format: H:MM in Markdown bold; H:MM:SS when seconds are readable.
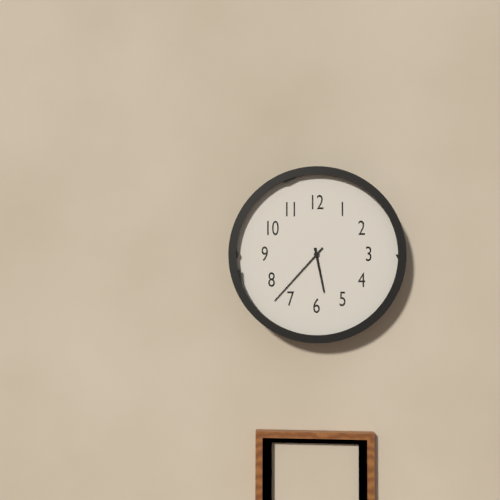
**5:37**
